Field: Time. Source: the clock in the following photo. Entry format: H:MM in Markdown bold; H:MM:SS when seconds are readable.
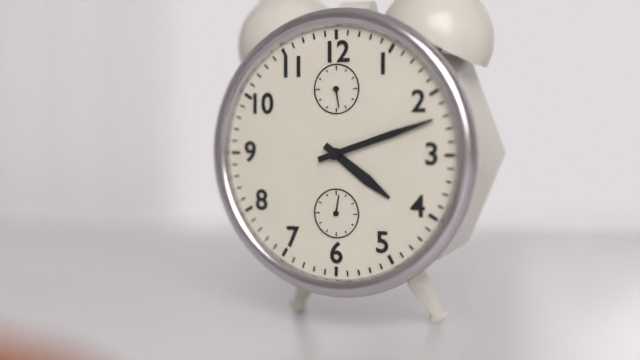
**4:12**
